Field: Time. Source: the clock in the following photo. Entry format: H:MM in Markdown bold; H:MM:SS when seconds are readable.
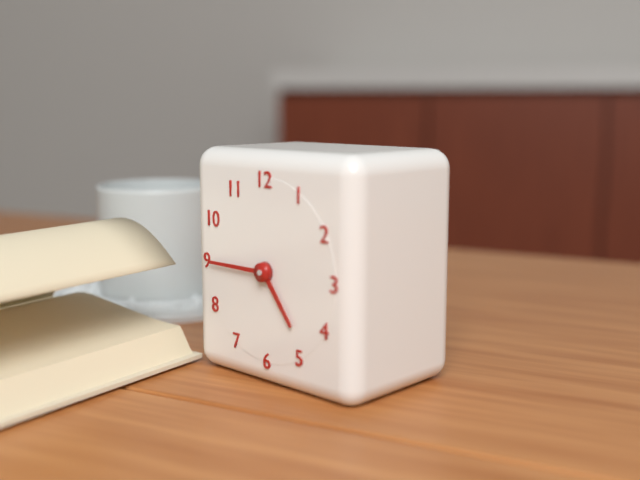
**4:45**
